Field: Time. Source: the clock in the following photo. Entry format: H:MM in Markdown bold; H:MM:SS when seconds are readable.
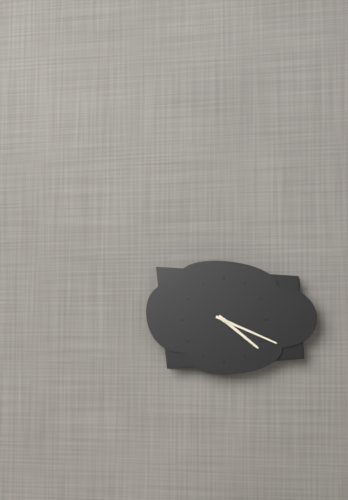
**4:19**
